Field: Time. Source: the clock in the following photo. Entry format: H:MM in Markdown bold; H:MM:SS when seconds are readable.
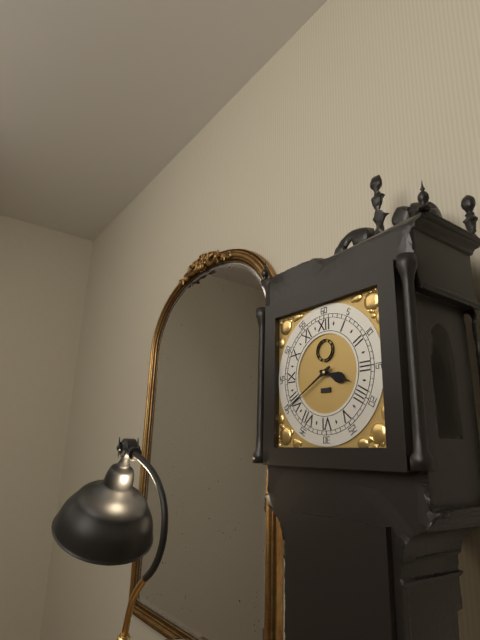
**3:40**
